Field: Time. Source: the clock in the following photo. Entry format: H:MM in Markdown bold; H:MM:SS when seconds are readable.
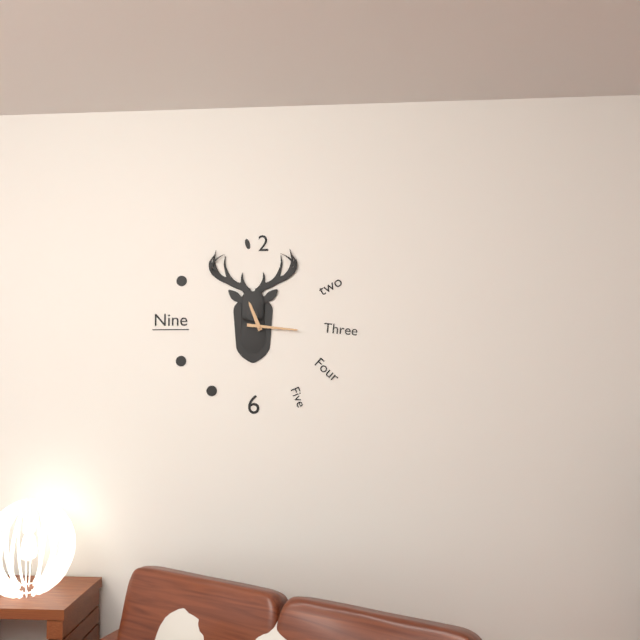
**11:16**
